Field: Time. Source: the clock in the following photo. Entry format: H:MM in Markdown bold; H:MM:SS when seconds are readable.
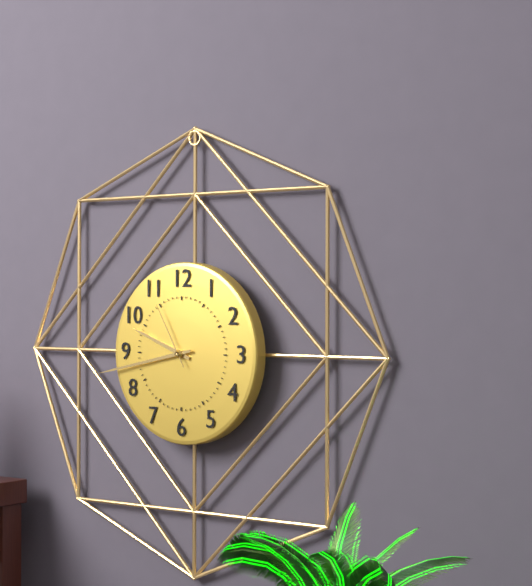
**9:43:55**
